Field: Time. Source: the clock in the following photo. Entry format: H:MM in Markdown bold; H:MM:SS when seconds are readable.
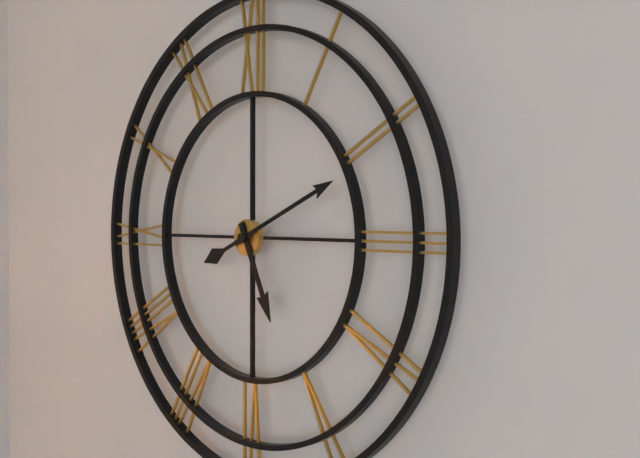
**5:11**
